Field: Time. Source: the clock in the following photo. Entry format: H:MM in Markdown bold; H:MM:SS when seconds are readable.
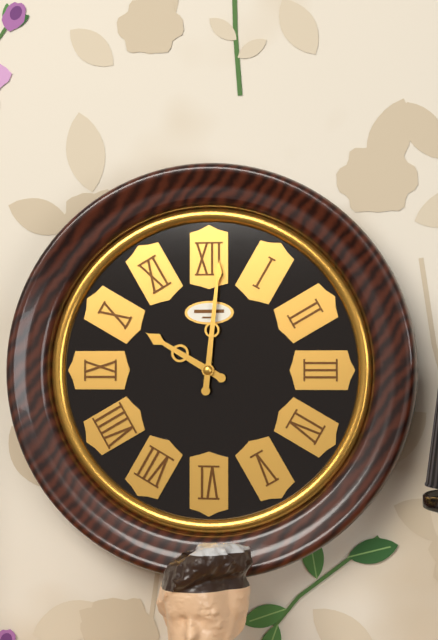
**10:01**
